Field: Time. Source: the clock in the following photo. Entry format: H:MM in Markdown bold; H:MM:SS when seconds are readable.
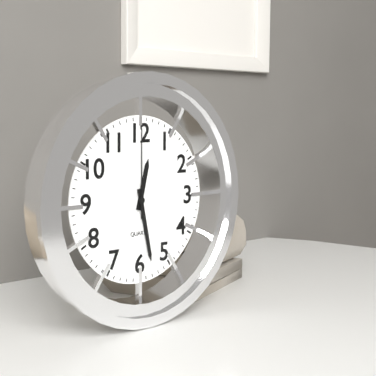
**12:28:00**
